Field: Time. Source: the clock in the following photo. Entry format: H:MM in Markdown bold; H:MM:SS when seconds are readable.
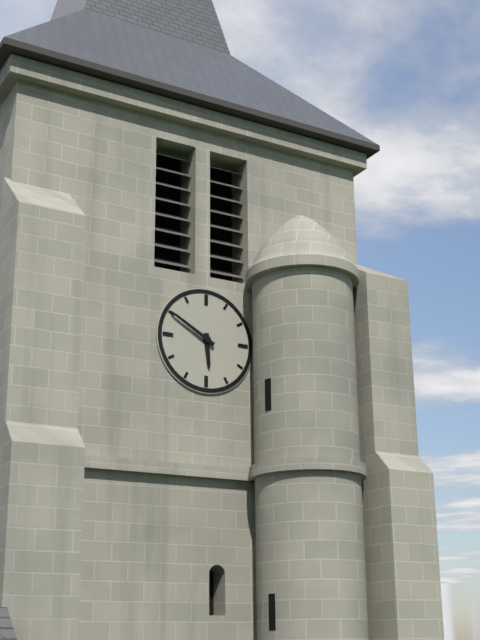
**5:50**
